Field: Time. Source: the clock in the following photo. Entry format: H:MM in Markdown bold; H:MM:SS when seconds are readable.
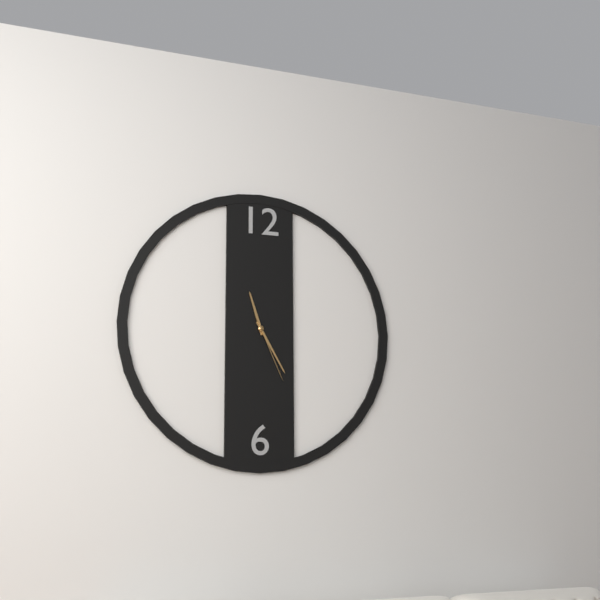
**11:25:26**
